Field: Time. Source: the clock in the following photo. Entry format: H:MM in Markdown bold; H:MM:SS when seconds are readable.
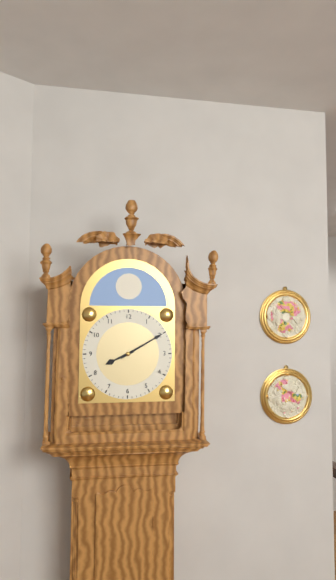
**8:10**
